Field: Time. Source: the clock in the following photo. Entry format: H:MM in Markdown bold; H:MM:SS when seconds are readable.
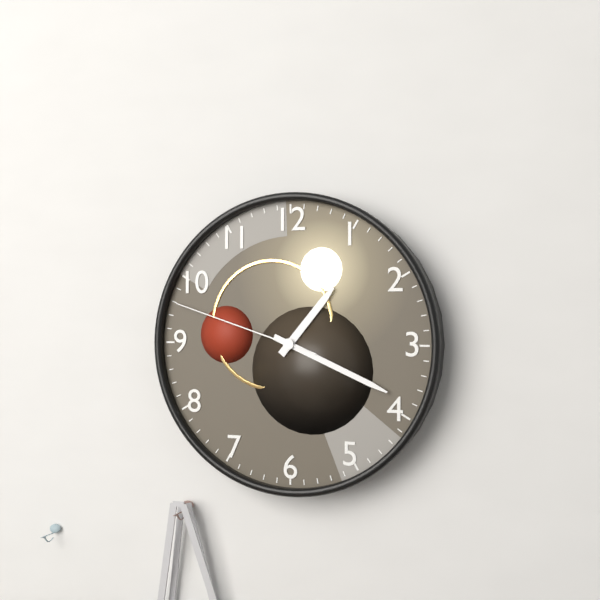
**1:19:48**
